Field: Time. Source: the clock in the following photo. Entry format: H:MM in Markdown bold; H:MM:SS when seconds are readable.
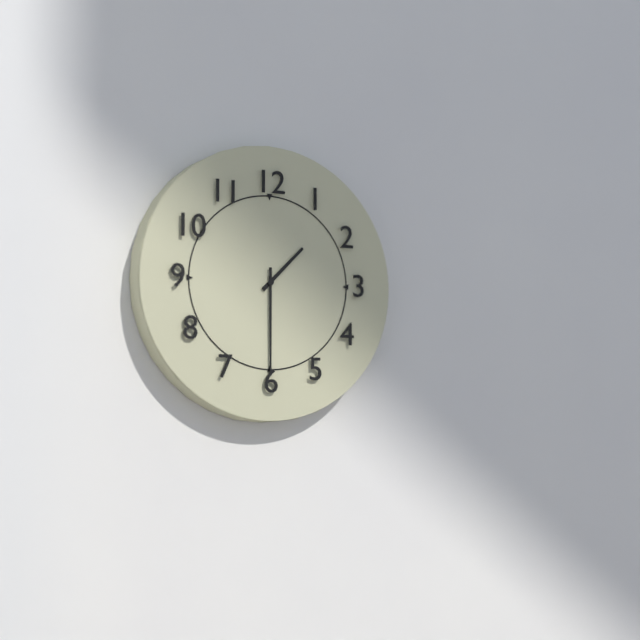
**1:30**
